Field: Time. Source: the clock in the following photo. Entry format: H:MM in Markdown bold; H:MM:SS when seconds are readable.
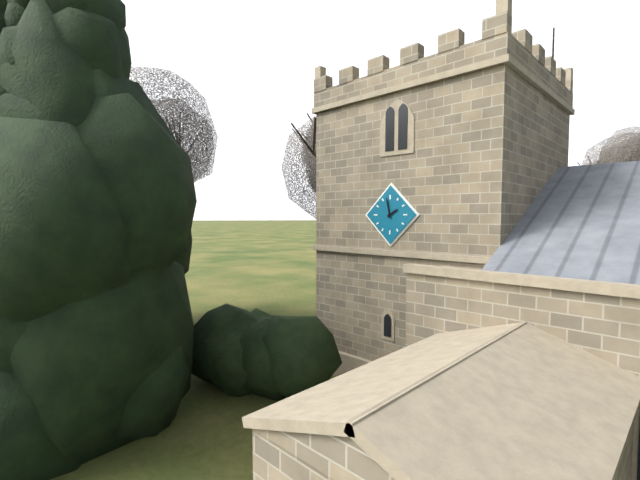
**1:58**
